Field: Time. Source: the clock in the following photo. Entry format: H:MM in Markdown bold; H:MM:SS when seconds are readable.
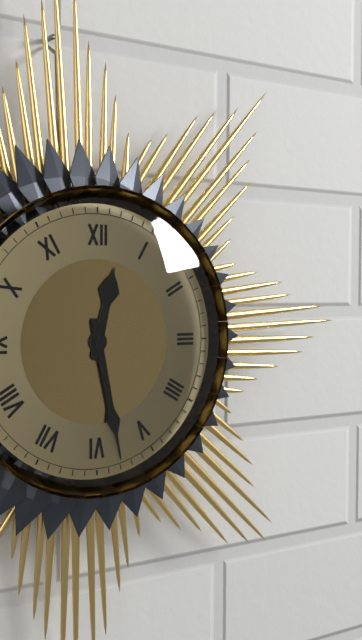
**12:28**
